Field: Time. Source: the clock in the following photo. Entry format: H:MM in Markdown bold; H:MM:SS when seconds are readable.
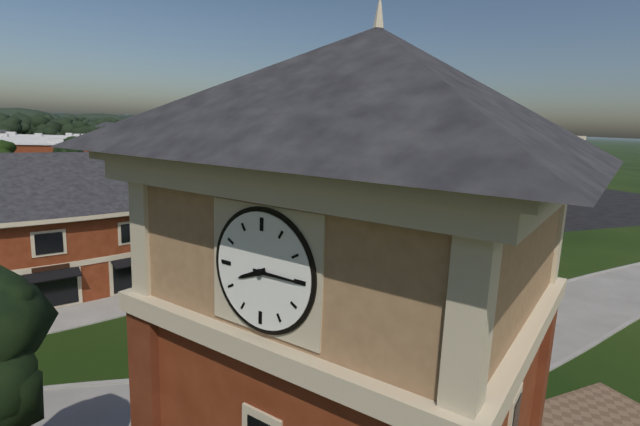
**8:15**
